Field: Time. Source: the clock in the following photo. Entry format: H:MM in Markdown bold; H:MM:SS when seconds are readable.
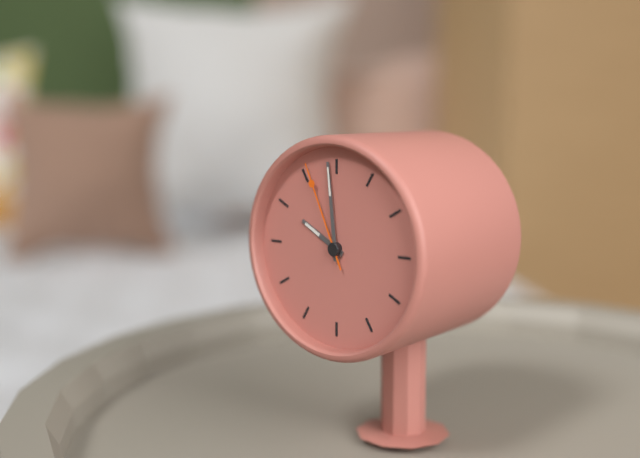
**9:59:56**
